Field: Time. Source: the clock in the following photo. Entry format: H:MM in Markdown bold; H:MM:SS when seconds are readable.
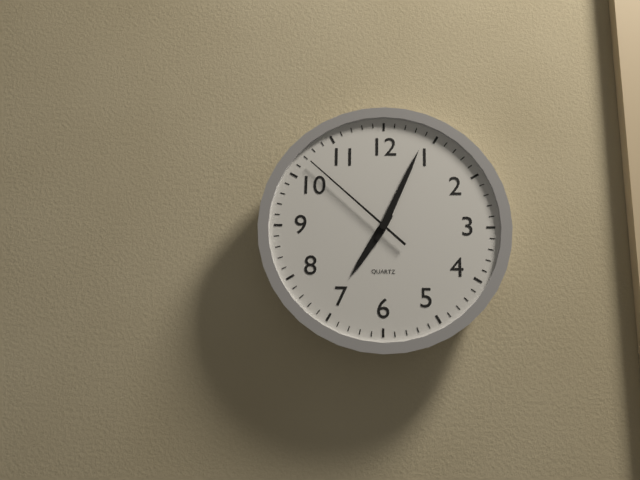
**7:04:52**
